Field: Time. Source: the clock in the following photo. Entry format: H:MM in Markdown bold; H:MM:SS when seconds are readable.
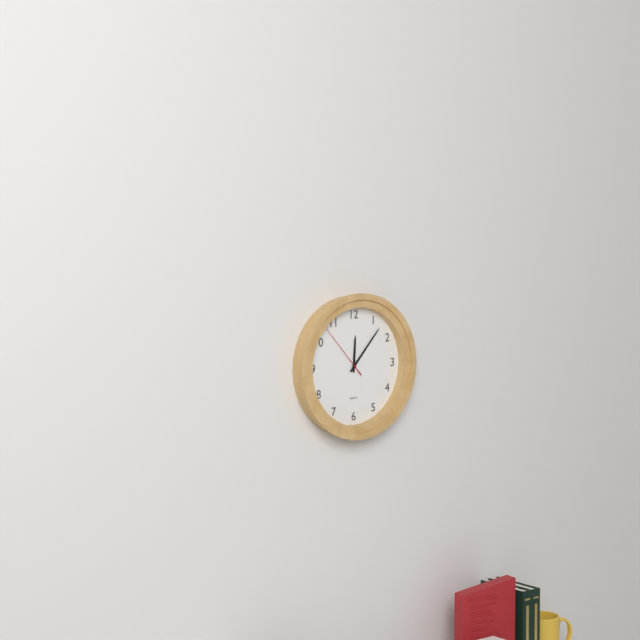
**12:07:53**
